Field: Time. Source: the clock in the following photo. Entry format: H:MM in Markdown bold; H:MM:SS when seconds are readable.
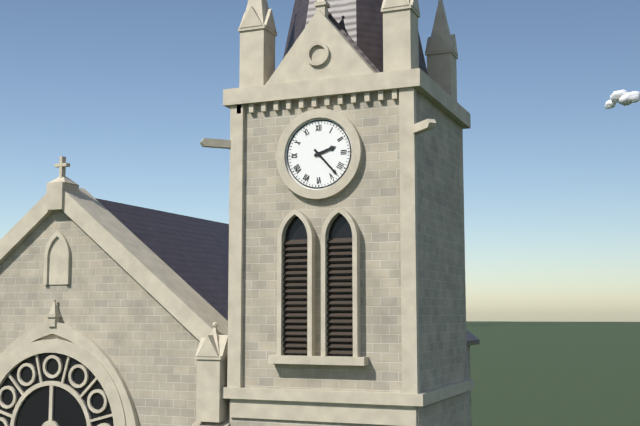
**2:23**
